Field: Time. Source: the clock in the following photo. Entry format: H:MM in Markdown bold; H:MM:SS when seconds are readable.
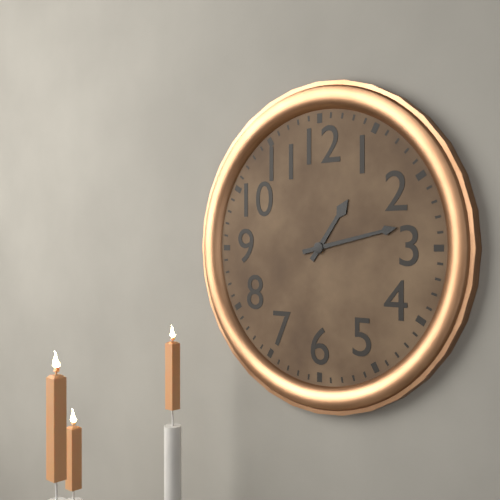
**1:13**
